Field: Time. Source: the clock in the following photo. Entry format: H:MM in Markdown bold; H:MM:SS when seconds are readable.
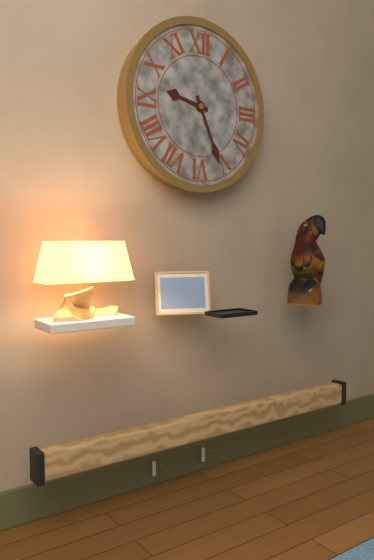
**9:26**
